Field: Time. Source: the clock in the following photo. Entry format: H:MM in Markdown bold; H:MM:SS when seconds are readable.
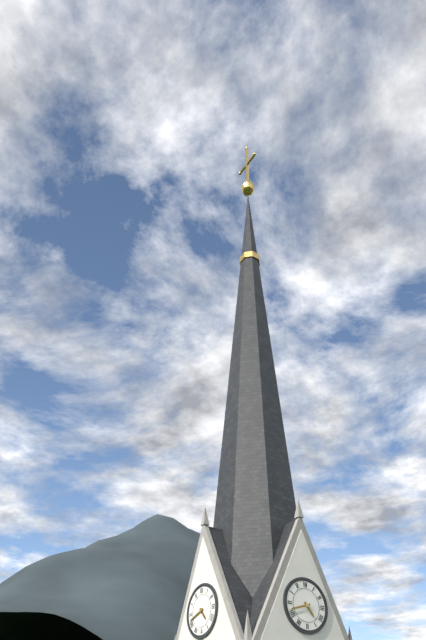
**4:42**
